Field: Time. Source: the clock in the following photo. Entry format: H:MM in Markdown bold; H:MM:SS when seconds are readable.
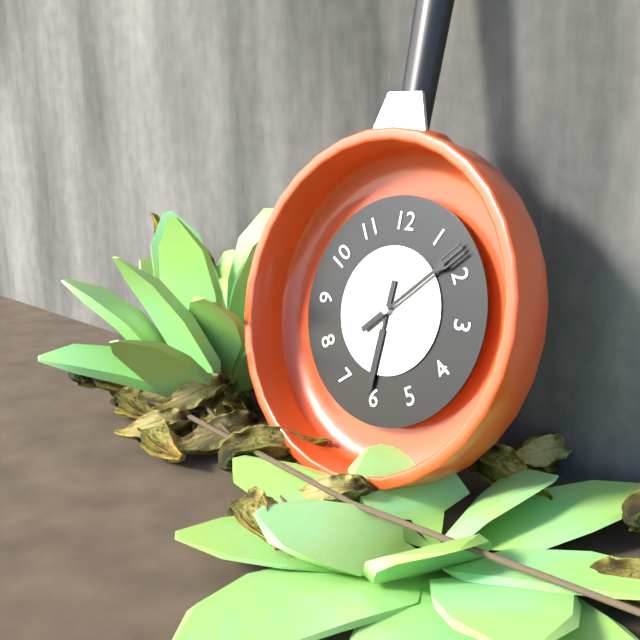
**6:08**
